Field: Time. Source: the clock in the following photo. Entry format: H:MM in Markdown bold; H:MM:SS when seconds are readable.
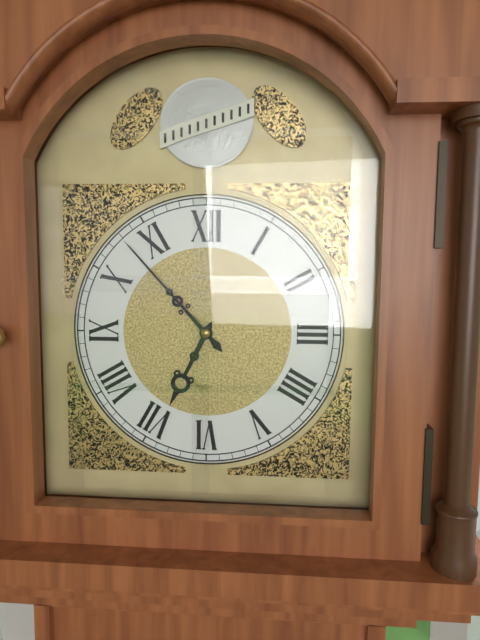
**6:53**
